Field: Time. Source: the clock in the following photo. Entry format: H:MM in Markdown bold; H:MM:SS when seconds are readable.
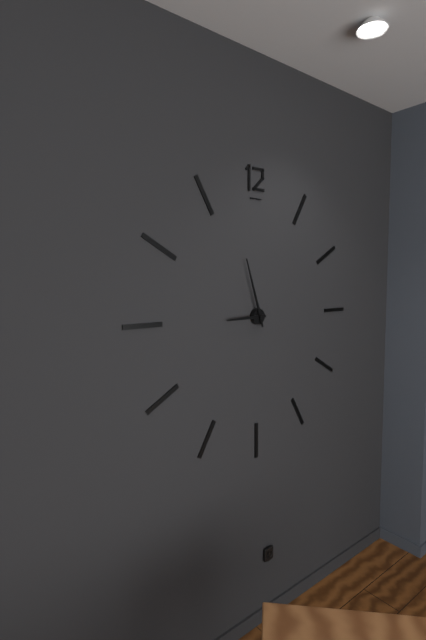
**8:57**
